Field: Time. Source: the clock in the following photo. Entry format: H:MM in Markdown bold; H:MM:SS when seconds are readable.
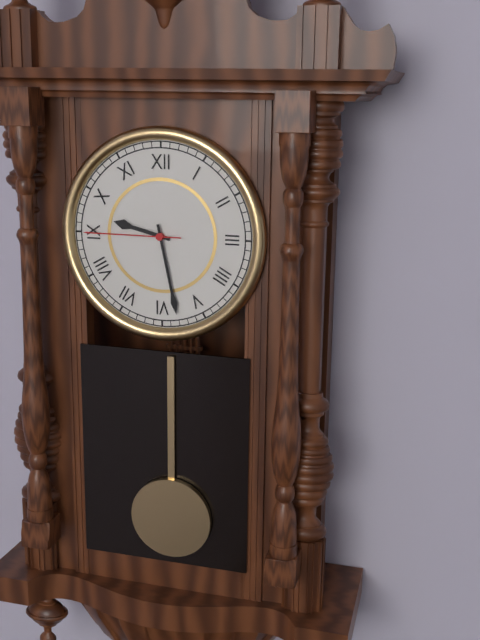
**9:28:45**
